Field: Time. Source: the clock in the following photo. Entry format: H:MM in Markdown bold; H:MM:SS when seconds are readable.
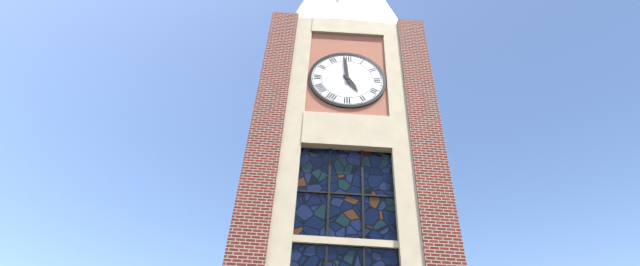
**4:59**
